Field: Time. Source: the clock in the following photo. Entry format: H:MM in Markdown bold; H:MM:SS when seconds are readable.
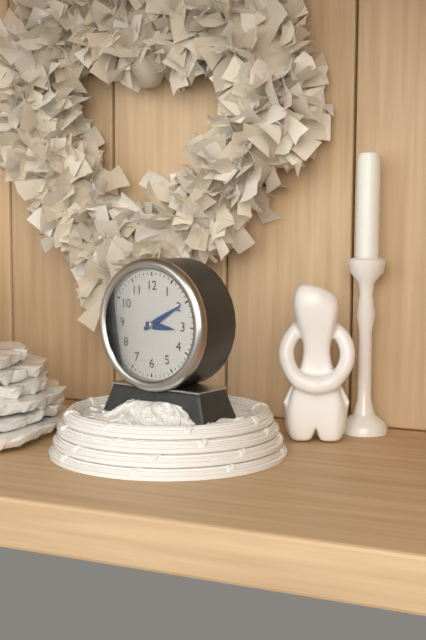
**3:10**
